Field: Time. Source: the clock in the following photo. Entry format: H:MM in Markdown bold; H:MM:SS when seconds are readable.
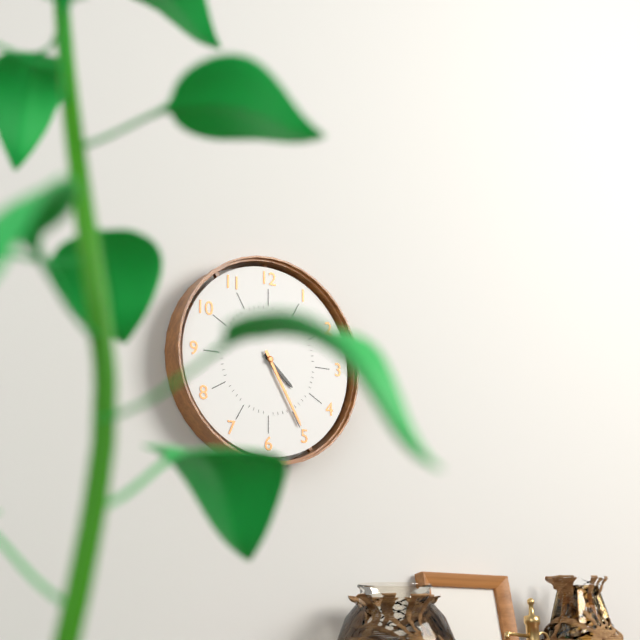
**4:25**
